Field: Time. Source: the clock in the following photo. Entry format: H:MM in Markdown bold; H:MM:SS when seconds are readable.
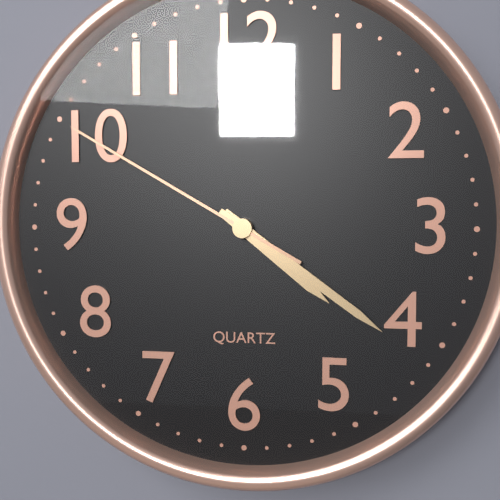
**4:21:50**
